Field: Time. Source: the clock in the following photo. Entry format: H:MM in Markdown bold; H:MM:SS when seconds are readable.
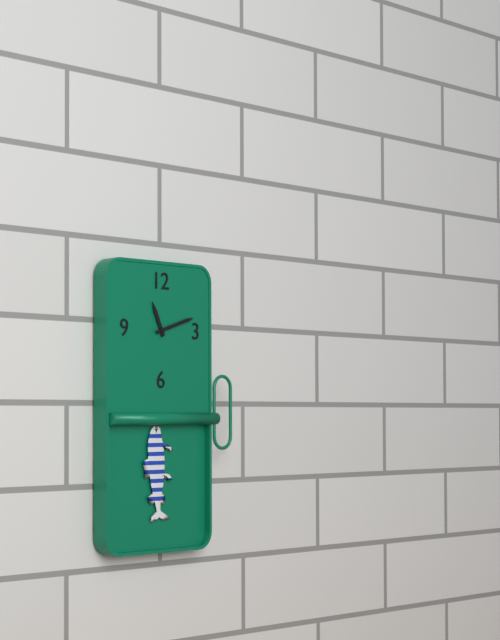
**11:12**
